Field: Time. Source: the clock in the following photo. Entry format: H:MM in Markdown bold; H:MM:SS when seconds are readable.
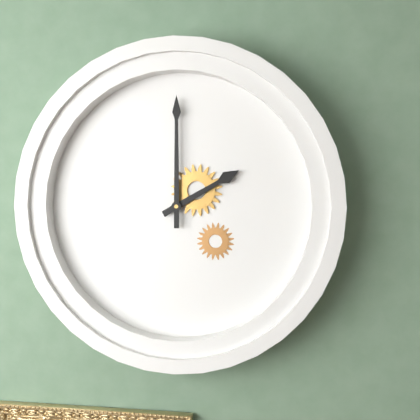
**2:00**
